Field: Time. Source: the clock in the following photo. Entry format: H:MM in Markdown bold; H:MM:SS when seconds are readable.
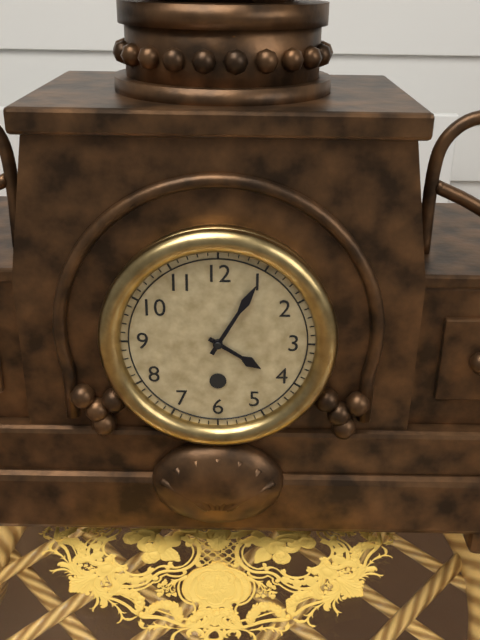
**4:05**
